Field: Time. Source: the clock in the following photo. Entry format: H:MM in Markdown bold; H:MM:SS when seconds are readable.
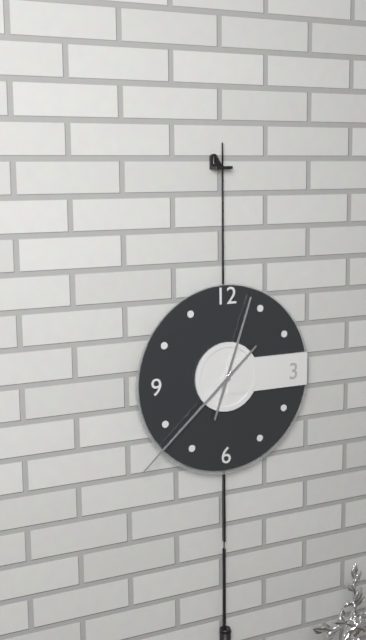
**12:38**
